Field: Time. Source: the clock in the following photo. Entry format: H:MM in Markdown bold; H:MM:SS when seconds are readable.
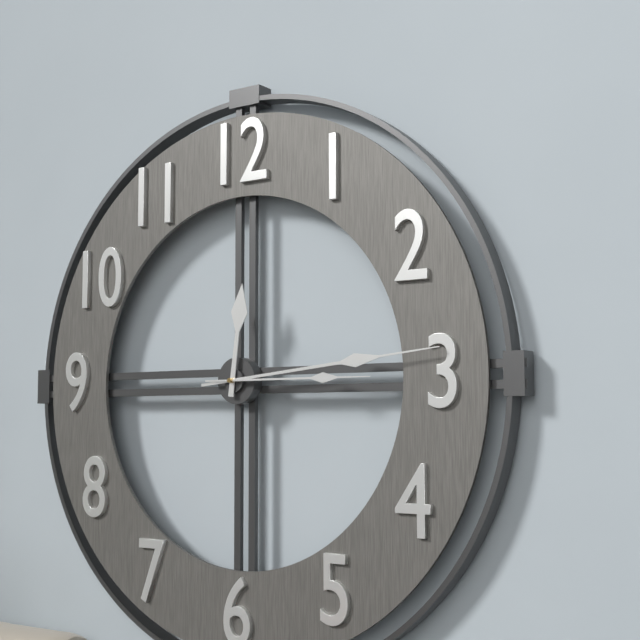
**12:14:15**
